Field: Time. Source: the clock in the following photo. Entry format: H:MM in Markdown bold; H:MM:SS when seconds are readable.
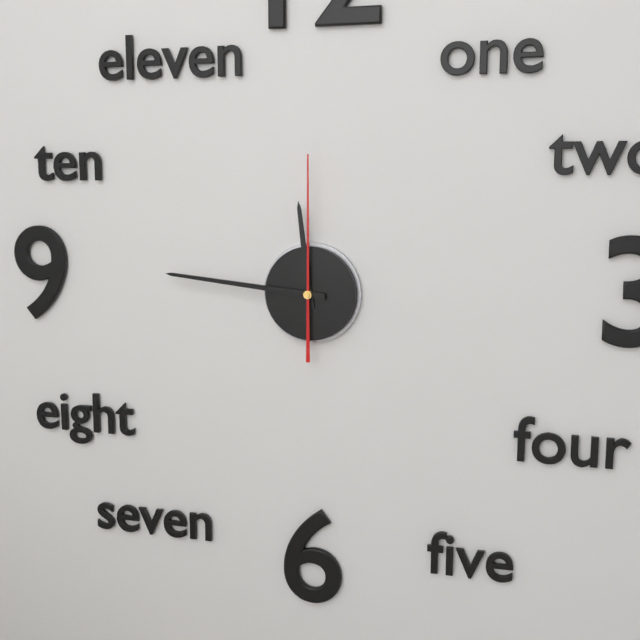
**11:46:00**
